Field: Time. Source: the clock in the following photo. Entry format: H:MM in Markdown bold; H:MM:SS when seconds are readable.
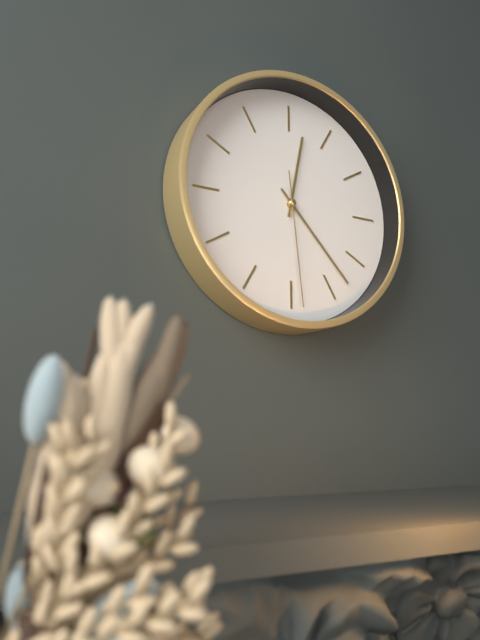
**12:23:29**
